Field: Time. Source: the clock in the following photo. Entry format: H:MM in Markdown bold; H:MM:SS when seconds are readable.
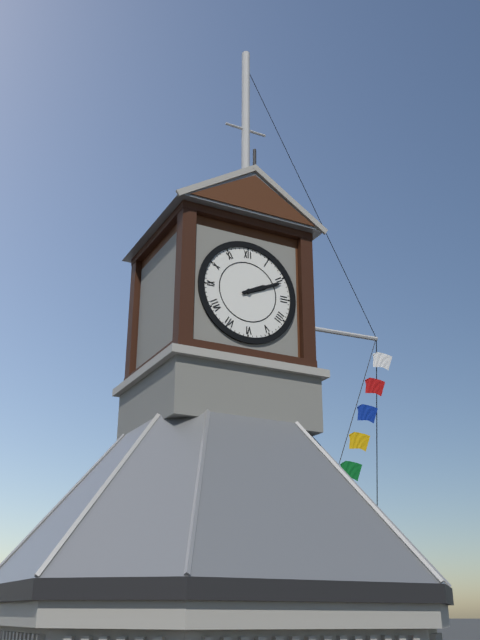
**2:11**
